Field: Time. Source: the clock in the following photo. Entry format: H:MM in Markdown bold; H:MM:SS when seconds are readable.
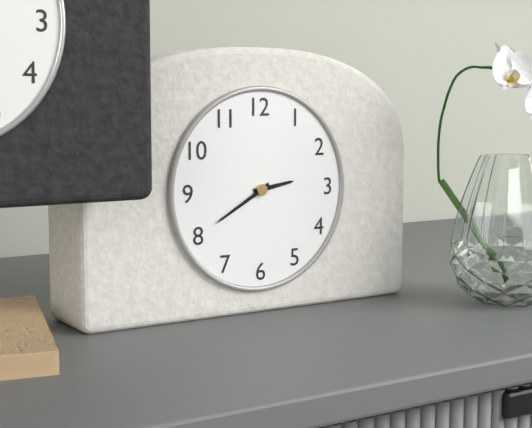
**2:40**
